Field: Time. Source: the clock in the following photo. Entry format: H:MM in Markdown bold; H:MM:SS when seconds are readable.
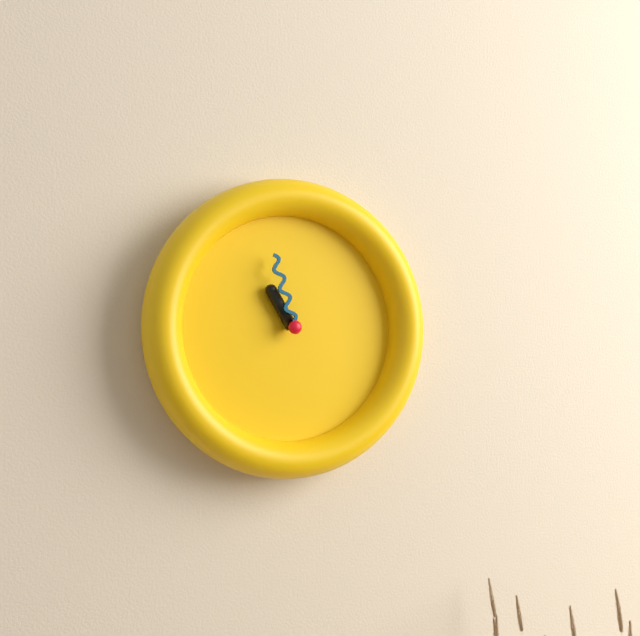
**10:57**
